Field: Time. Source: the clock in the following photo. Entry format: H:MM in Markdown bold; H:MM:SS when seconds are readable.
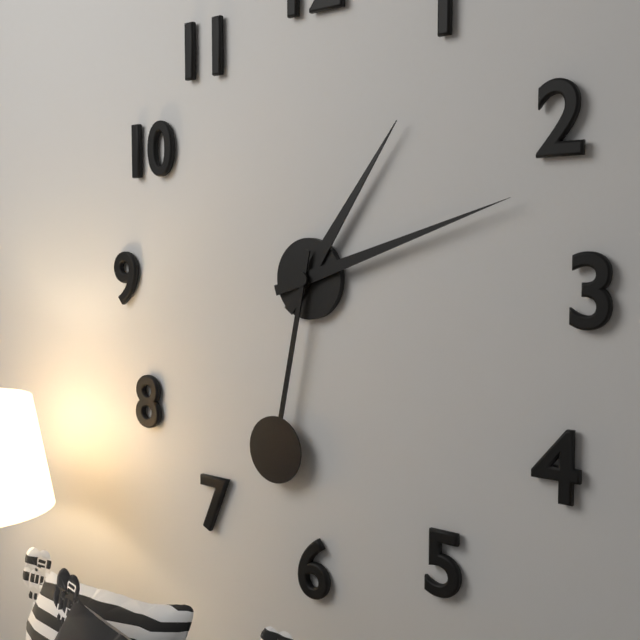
**1:12:32**
